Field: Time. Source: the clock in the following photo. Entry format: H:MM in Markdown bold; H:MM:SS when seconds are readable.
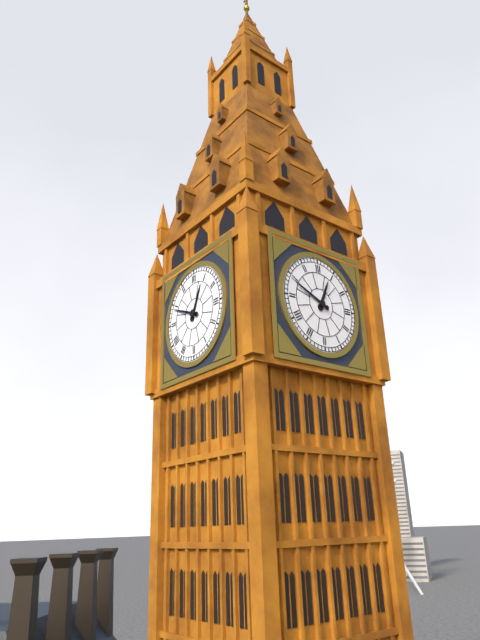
**12:49**
